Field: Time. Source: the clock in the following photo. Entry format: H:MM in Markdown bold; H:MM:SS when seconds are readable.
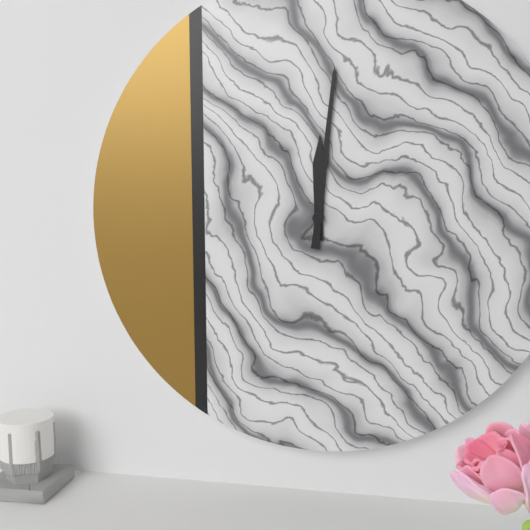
**12:01**
